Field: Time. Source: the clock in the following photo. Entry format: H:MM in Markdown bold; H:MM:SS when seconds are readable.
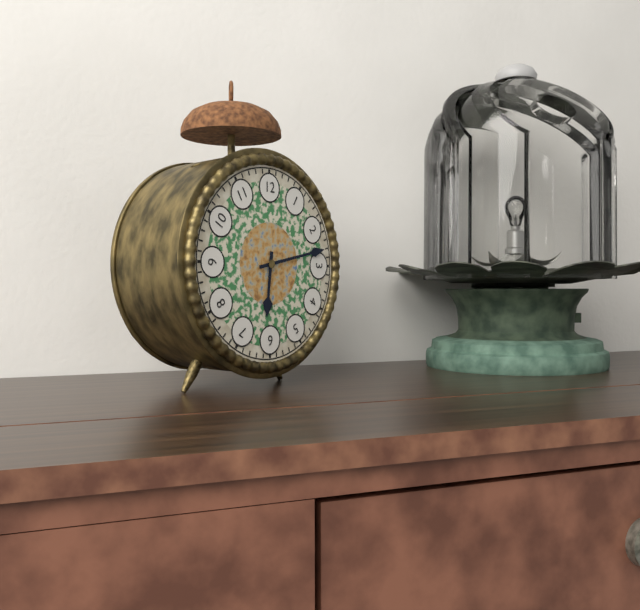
**6:13**
